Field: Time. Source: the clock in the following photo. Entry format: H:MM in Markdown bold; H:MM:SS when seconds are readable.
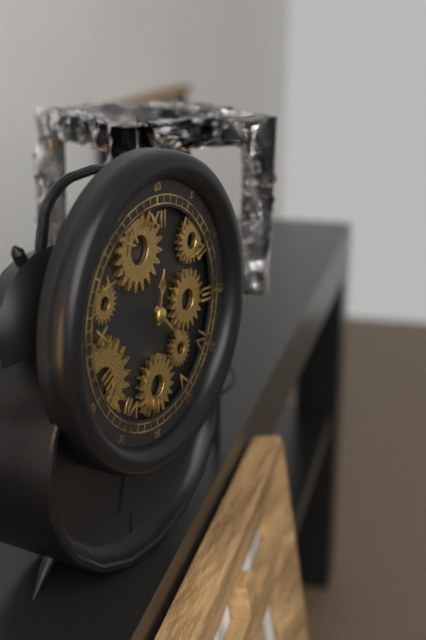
**12:22**
